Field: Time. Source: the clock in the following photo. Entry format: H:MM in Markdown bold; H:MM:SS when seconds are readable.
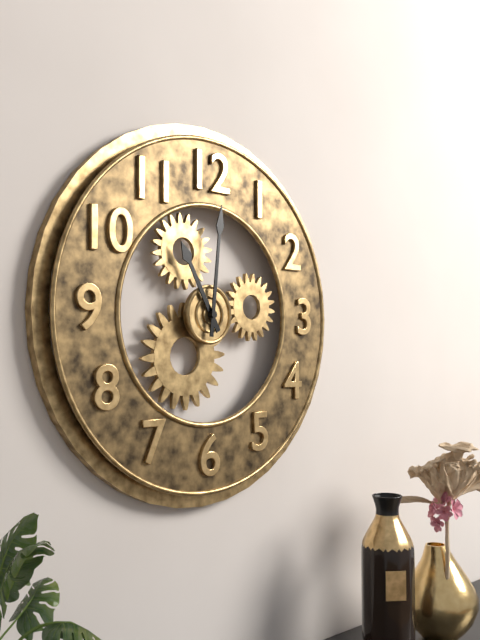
**11:01**
